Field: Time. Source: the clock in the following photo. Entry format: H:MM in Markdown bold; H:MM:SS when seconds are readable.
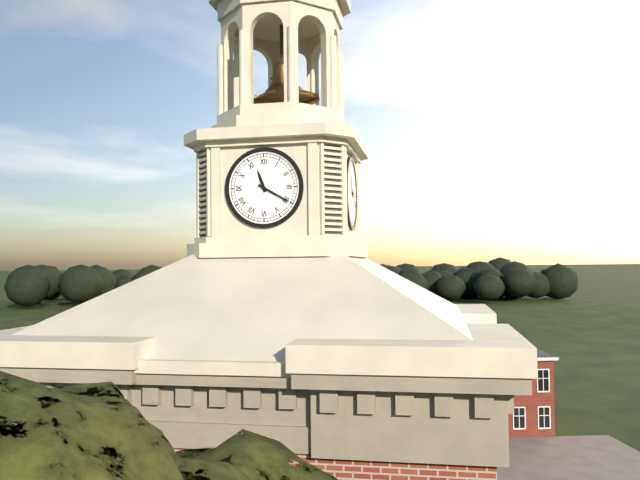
**11:20**
